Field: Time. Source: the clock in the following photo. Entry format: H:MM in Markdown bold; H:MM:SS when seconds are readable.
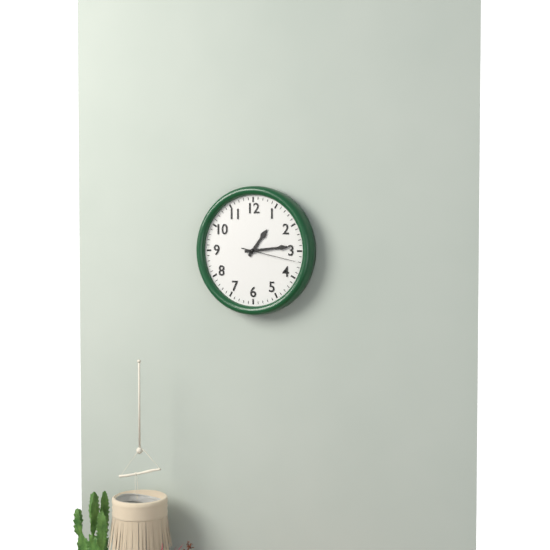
**1:14**
